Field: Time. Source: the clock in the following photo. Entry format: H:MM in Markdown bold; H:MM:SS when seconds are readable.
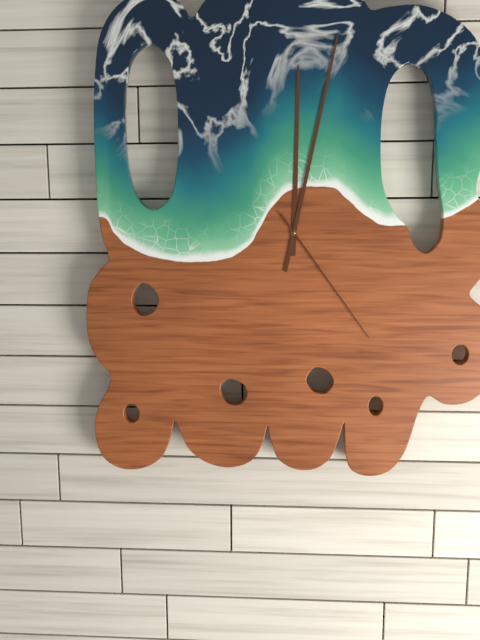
**12:02:24**
